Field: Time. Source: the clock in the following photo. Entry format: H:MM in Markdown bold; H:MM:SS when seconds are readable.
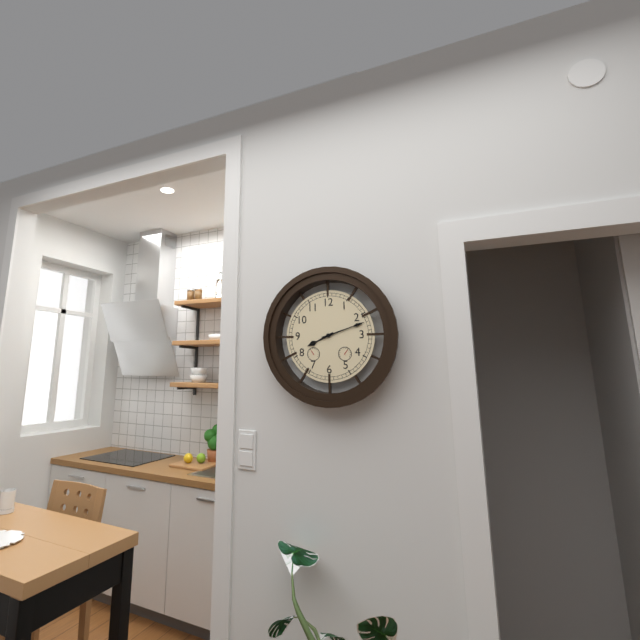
**8:12**
